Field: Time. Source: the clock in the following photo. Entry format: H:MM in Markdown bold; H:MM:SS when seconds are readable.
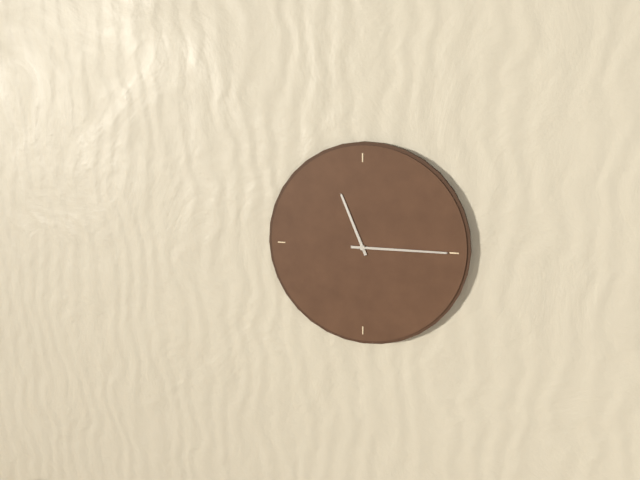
**11:15**
